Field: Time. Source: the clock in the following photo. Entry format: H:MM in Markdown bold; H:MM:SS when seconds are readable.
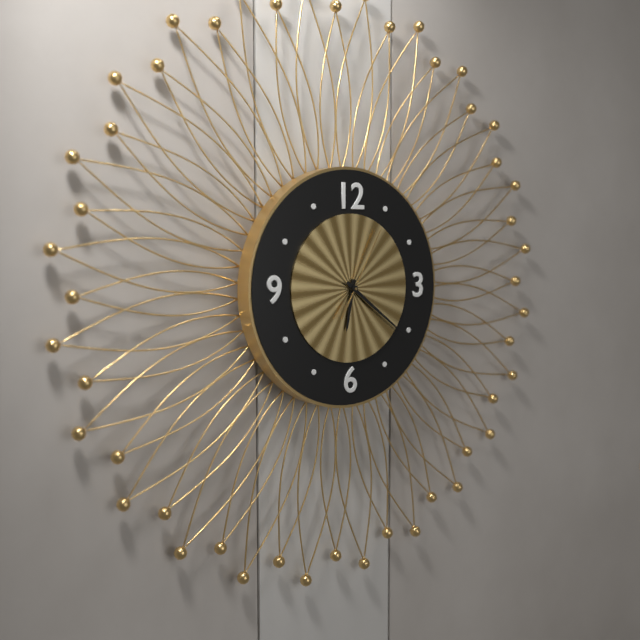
**6:21:05**
